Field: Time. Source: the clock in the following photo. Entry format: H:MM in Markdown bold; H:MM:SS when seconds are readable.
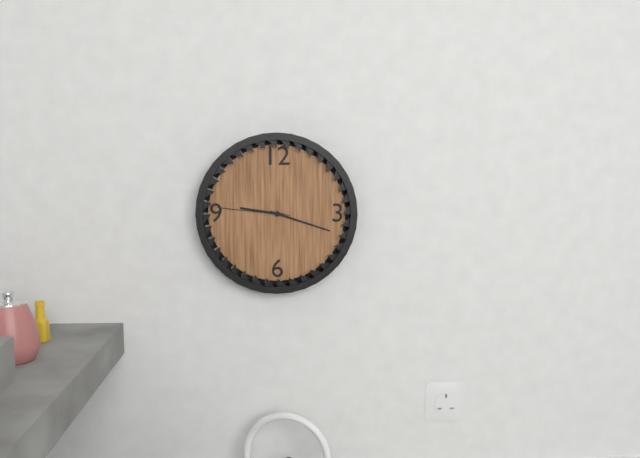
**9:18:46**
